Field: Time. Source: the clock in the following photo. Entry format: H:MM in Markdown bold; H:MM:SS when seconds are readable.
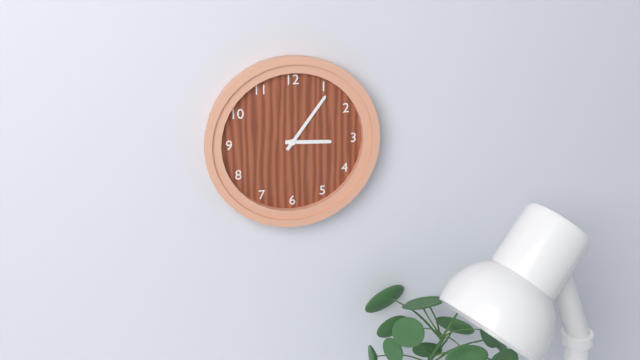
**3:06**
